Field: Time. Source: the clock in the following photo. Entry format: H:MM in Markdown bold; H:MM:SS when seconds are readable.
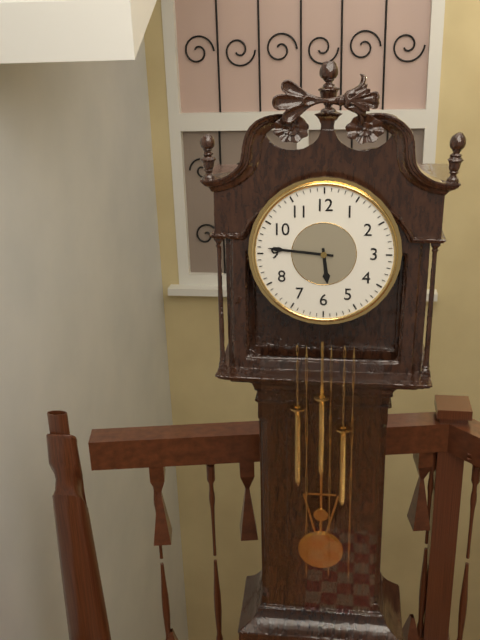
**5:46**
